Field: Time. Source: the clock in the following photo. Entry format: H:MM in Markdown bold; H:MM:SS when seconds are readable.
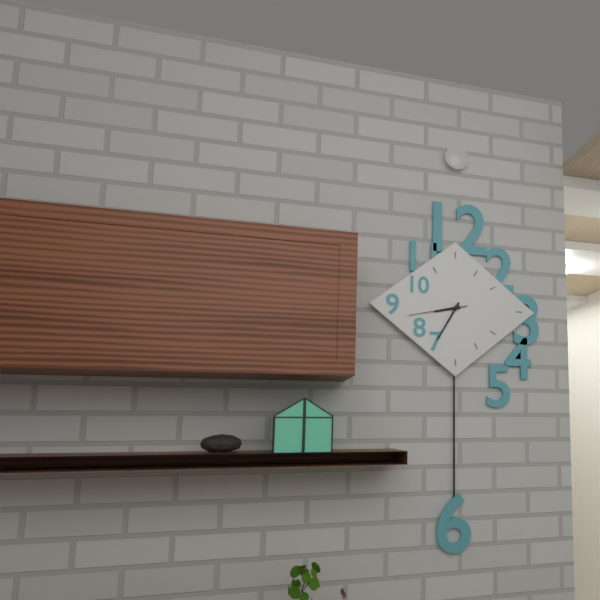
**8:35:43**
